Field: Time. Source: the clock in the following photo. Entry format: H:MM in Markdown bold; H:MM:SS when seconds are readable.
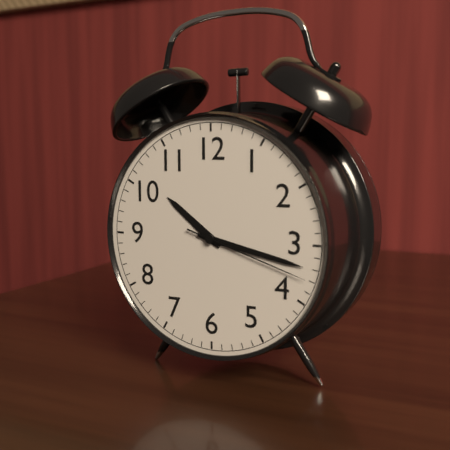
**10:17:18**
